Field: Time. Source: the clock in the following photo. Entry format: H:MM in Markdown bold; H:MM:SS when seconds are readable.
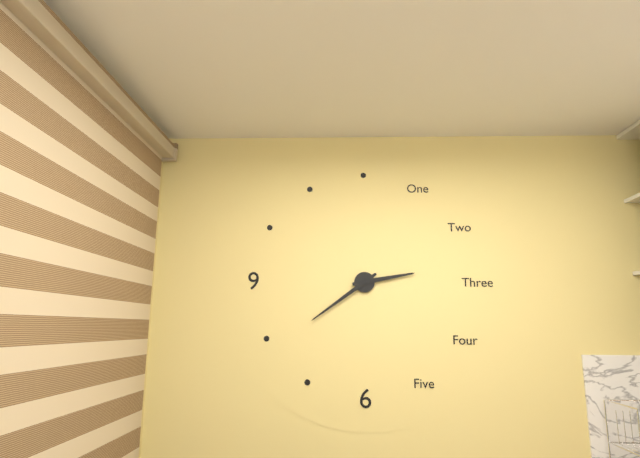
**2:39**
